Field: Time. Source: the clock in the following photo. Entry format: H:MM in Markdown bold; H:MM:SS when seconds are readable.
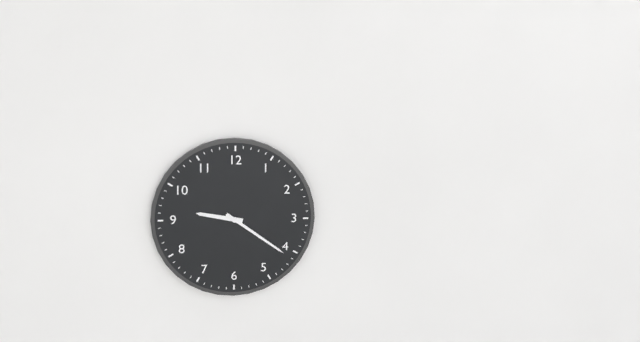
**9:21**
